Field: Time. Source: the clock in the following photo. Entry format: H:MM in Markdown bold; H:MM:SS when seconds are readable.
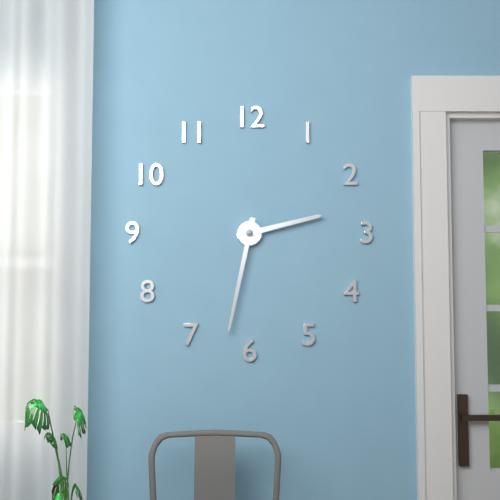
**2:32**
